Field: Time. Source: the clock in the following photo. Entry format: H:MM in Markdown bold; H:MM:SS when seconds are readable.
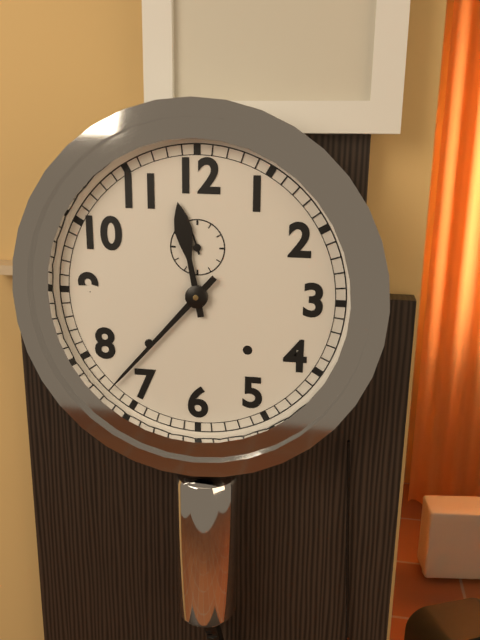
**11:37**
